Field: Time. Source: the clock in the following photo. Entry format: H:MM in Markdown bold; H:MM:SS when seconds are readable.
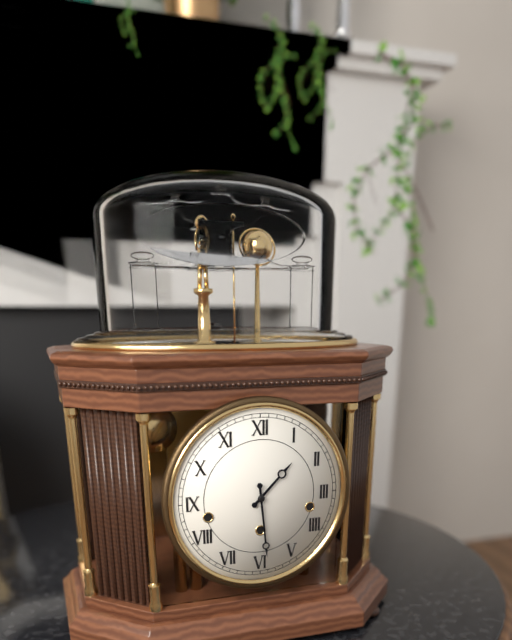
**1:29**
